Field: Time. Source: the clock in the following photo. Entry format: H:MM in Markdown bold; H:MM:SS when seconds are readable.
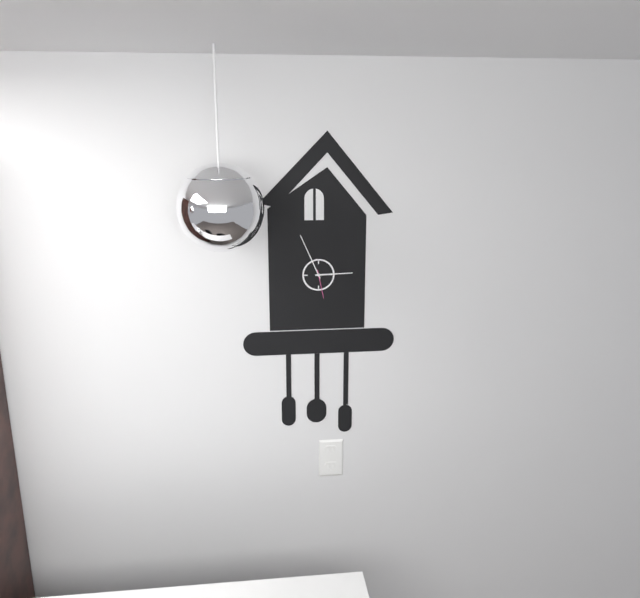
**2:56**
